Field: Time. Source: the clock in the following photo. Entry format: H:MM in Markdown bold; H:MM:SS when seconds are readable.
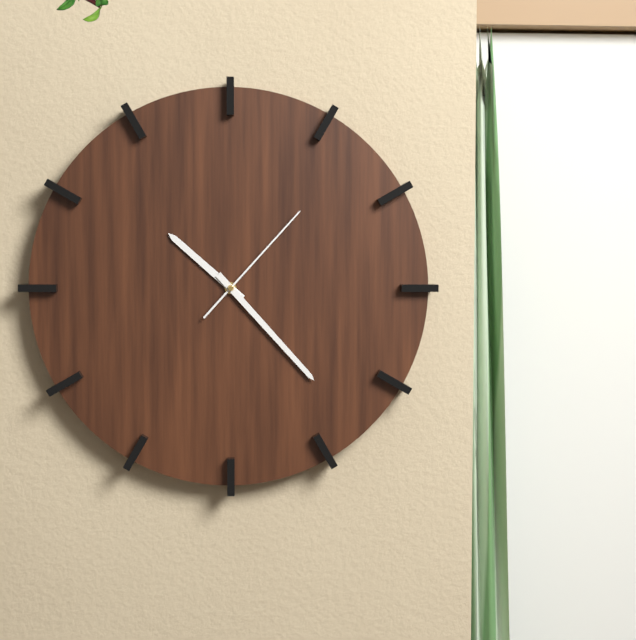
**10:23:07**
